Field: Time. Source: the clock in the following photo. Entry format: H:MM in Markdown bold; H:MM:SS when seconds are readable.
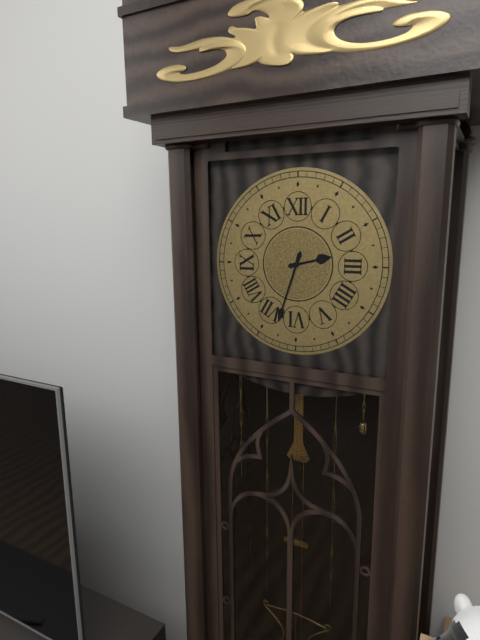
**2:33**
